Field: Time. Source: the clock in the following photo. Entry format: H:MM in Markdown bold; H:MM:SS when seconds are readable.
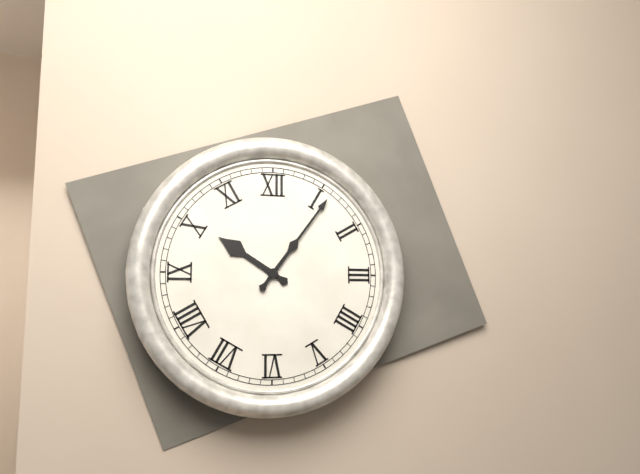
**10:06**
